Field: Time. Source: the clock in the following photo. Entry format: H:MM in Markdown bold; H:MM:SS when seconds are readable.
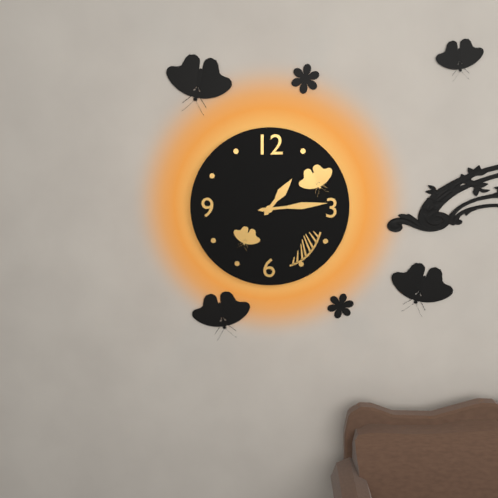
**1:14**
